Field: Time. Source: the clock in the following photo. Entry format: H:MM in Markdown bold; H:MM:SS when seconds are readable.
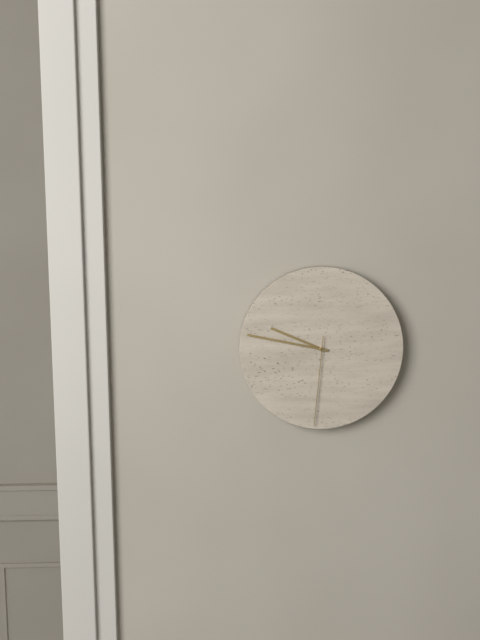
**9:47:31**
